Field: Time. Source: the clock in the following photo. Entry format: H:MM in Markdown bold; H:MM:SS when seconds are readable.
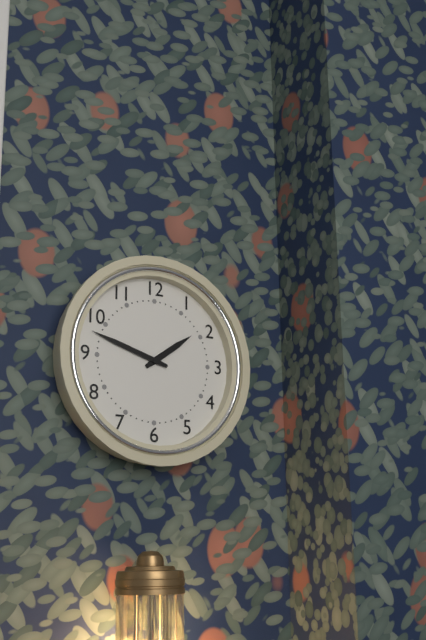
**1:48**
